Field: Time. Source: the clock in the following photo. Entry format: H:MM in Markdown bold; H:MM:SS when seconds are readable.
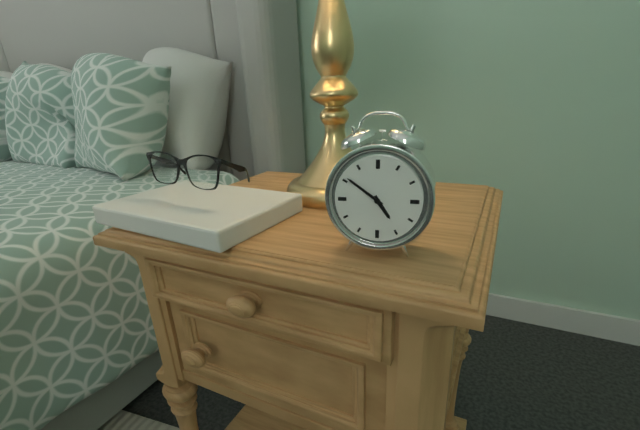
**4:51**
